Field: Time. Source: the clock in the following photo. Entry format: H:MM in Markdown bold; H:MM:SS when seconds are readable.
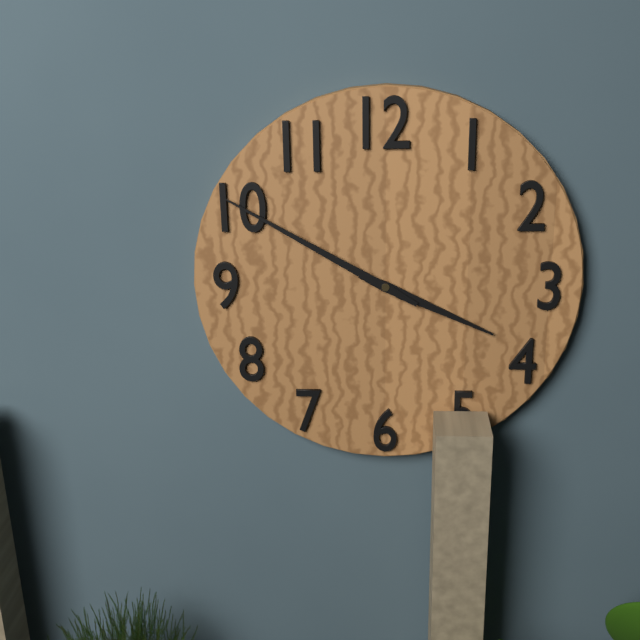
**3:50**
